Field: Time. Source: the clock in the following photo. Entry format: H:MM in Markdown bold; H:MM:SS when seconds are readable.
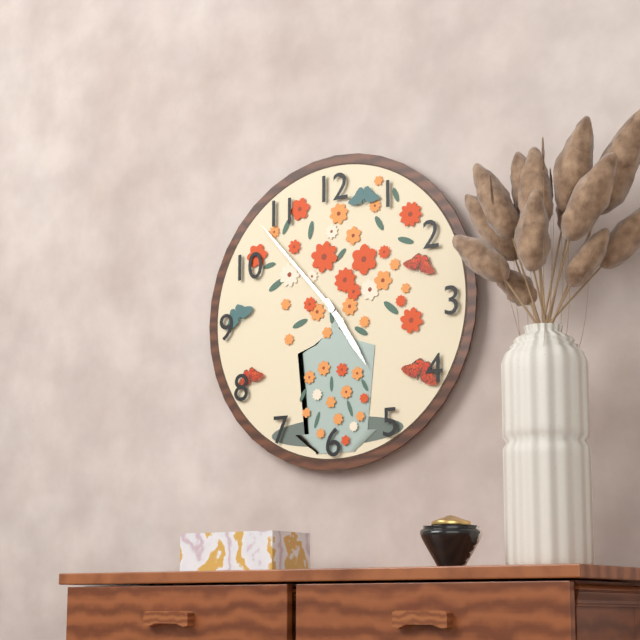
**4:53**
